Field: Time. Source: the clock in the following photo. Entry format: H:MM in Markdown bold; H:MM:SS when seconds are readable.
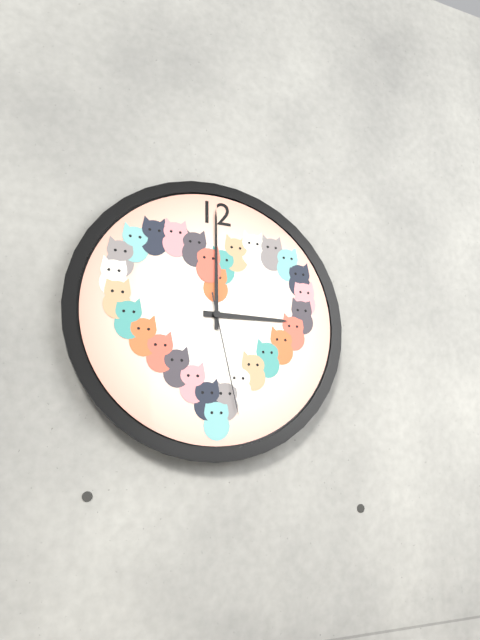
**3:00:28**
